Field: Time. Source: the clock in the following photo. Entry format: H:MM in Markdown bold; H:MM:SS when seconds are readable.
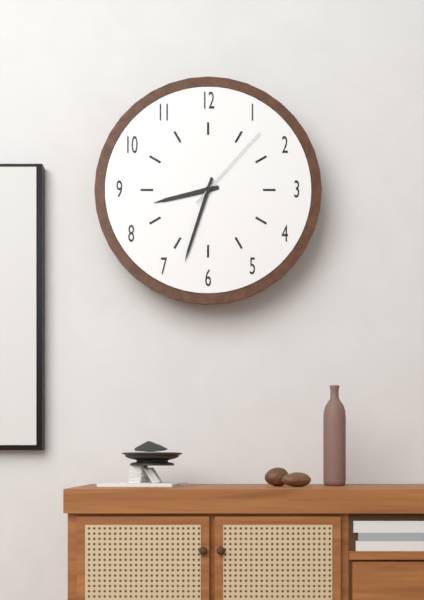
**8:33:07**
